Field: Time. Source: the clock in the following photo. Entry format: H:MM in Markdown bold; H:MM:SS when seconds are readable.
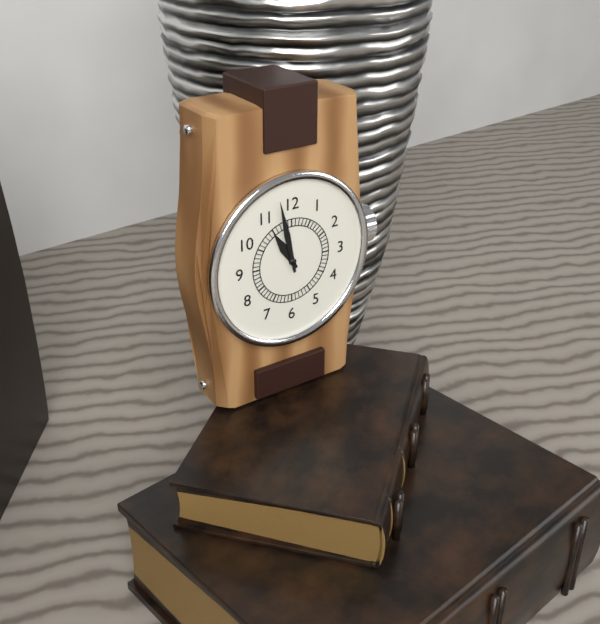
**10:58**
